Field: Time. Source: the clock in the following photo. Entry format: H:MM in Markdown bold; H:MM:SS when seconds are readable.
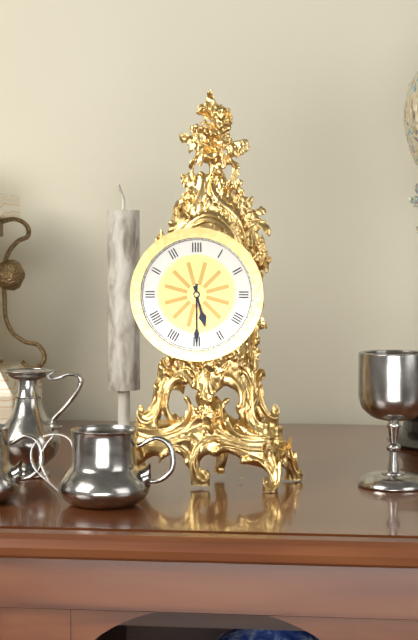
**5:30**
